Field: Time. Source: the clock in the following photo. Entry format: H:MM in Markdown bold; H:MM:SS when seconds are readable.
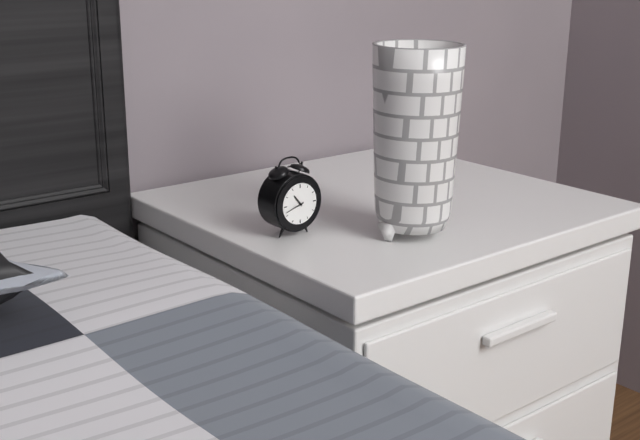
**10:42**
